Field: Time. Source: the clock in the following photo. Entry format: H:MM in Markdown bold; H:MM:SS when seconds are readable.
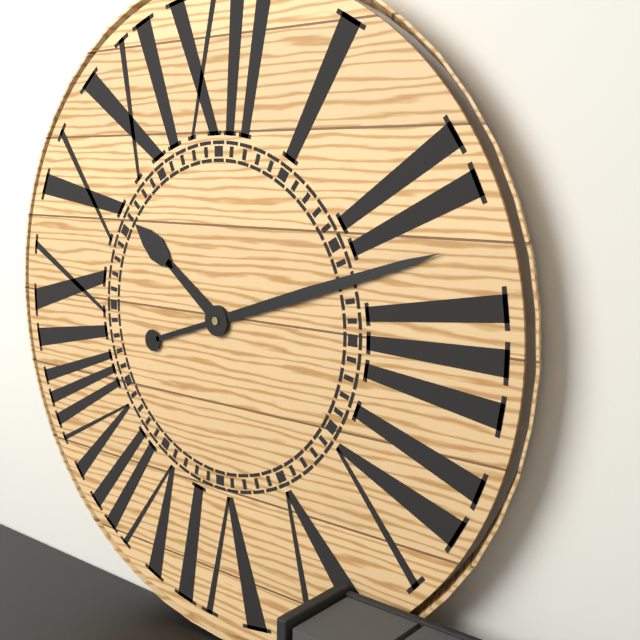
**10:12**
